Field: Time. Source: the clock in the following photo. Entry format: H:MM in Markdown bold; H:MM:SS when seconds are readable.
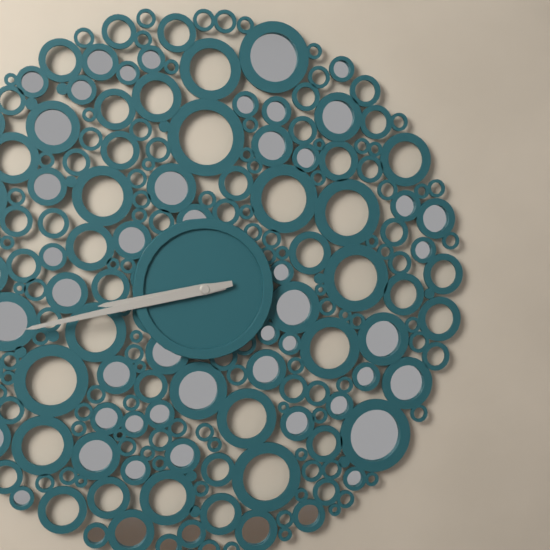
**8:43**
